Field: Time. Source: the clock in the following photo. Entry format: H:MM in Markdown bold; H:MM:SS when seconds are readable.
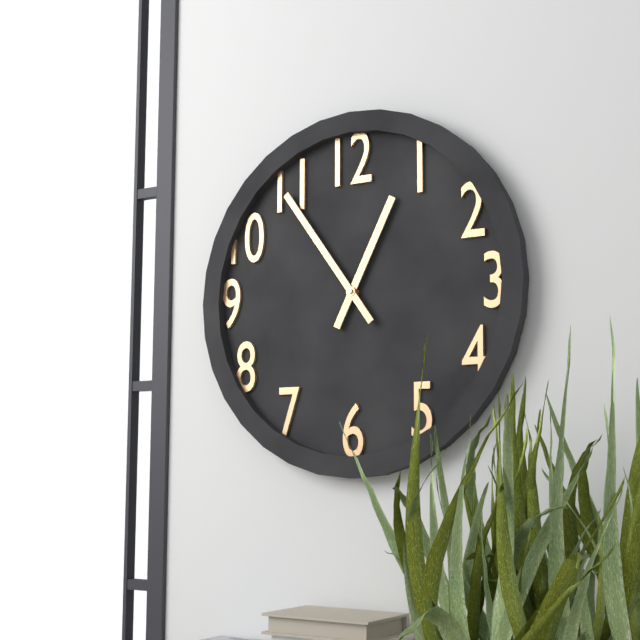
**12:54**
